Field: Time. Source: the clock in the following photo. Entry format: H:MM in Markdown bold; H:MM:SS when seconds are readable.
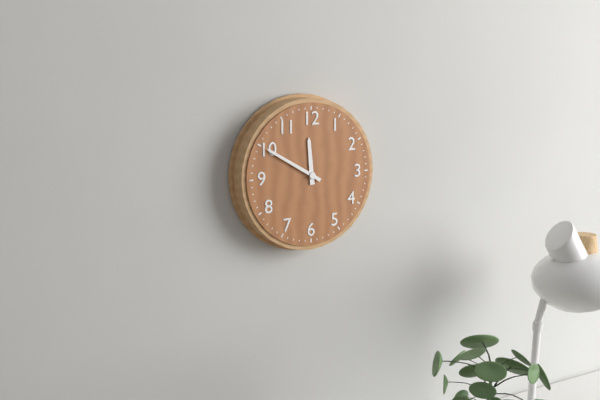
**11:50**
